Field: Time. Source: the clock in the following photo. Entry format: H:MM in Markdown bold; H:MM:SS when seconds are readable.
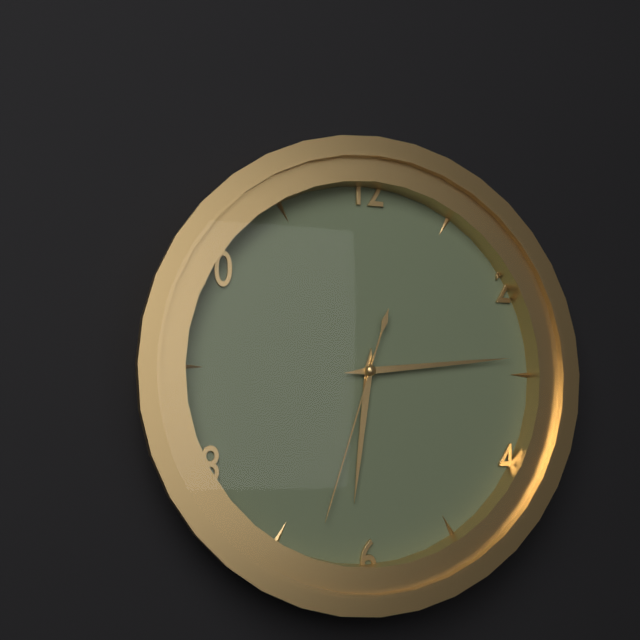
**6:14:33**
